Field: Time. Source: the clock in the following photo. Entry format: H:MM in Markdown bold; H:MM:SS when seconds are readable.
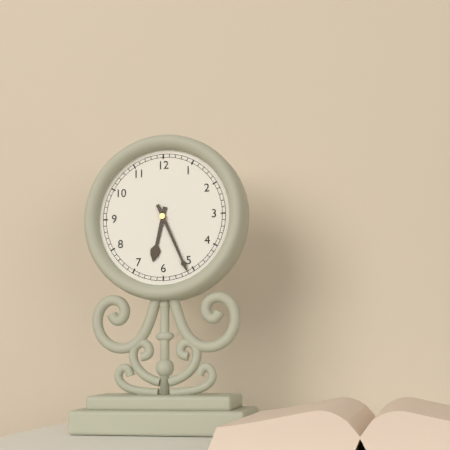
**6:26**
